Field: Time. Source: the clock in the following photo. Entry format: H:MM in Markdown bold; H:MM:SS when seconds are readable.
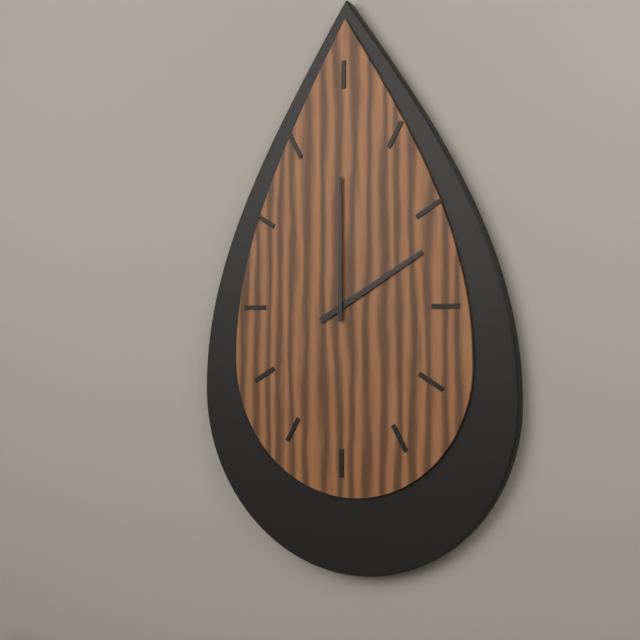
**2:00**
